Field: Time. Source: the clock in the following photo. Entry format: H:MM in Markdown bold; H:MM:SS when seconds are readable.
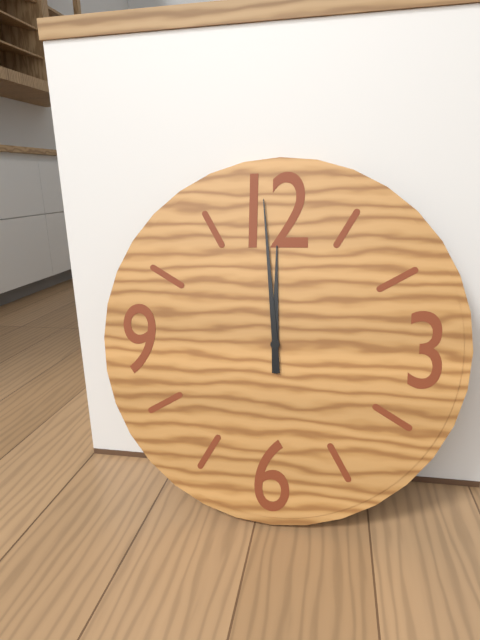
**11:59**
